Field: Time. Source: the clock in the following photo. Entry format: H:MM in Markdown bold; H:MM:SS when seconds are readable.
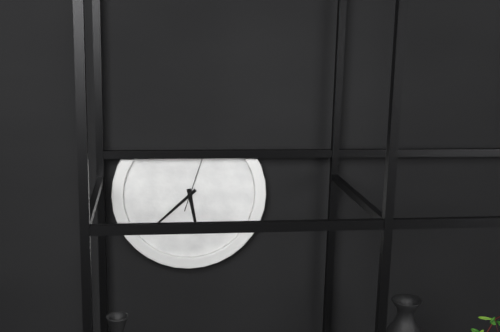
**5:38:03**
